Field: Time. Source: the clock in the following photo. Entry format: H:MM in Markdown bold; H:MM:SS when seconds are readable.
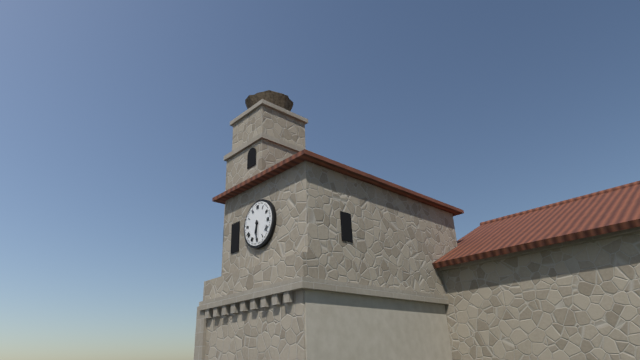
**6:30**
